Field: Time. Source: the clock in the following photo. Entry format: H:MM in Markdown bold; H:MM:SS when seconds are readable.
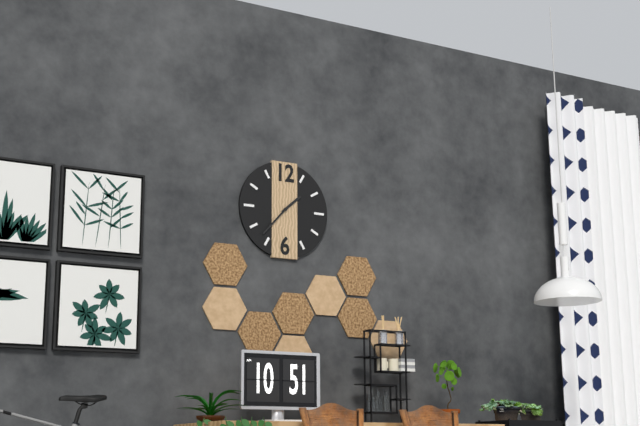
**1:37**
